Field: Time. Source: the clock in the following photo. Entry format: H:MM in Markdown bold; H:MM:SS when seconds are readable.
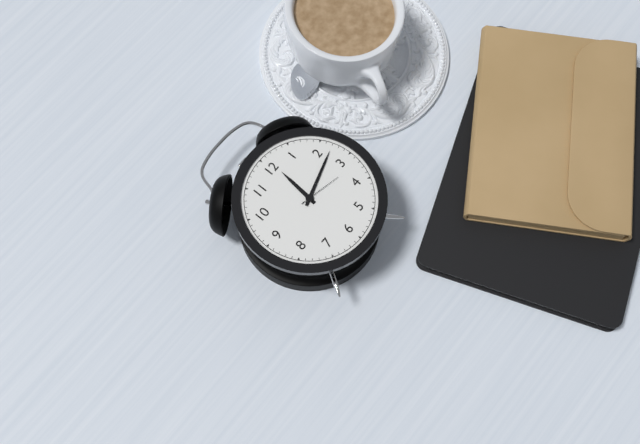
**12:12**
